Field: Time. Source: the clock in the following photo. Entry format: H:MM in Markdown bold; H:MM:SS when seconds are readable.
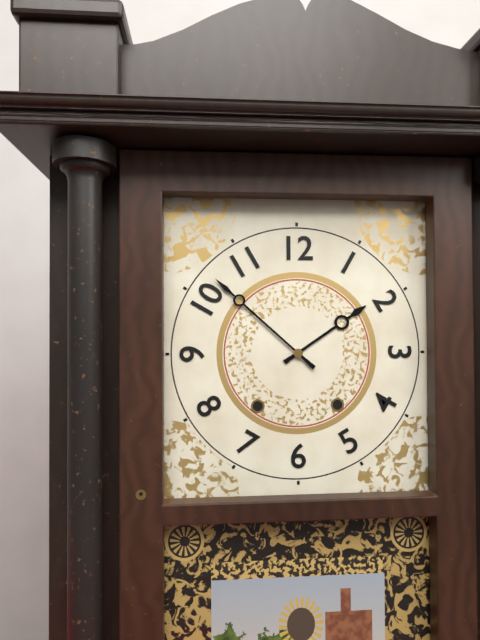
**1:52**
